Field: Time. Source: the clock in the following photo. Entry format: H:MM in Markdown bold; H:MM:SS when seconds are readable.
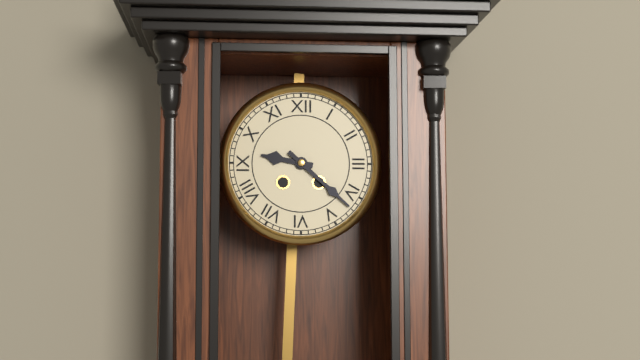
**9:22**
